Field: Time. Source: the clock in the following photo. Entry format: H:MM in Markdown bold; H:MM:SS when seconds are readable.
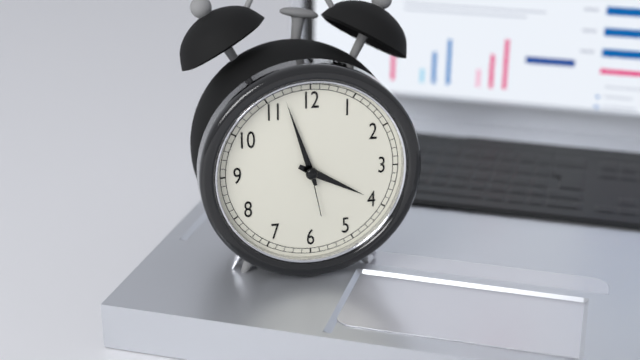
**3:57:28**
